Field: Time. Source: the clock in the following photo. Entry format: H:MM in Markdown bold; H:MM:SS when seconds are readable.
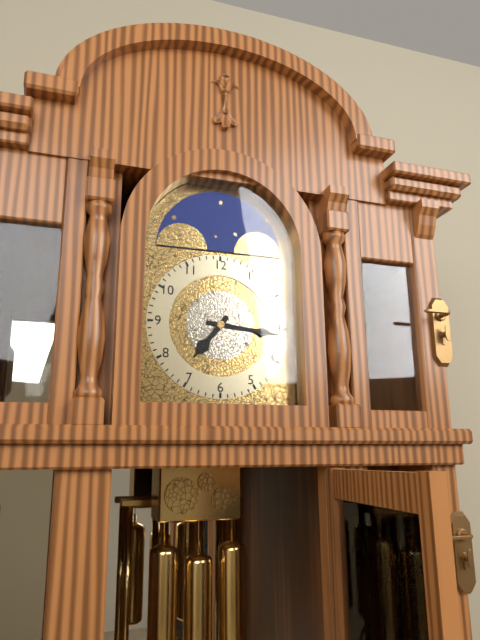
**7:16**
